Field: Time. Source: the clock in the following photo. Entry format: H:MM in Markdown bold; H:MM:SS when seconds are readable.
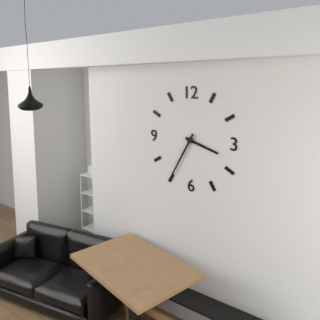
**3:35**
